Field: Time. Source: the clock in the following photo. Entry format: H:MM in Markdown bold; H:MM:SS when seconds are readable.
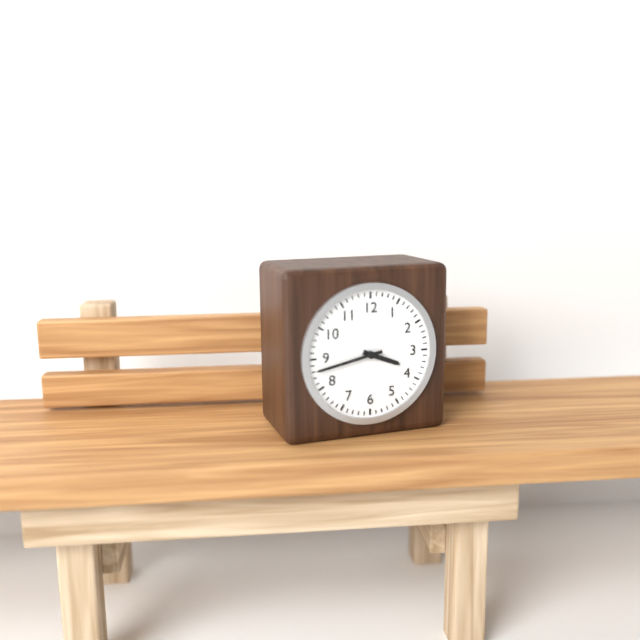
**3:43**
